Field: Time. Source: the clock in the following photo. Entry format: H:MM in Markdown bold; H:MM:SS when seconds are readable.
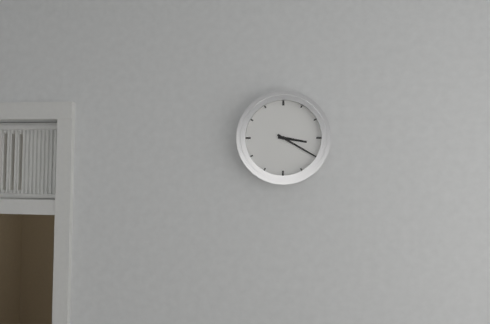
**3:20**
